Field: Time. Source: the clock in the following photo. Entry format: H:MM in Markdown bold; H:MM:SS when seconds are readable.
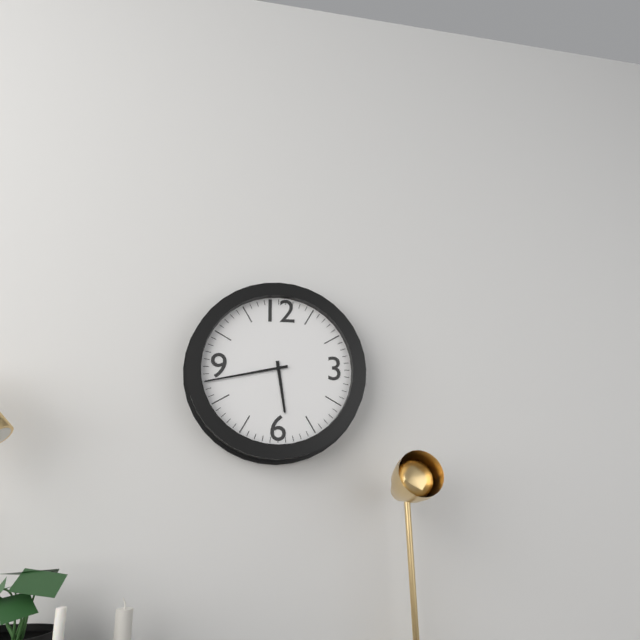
**5:43**
